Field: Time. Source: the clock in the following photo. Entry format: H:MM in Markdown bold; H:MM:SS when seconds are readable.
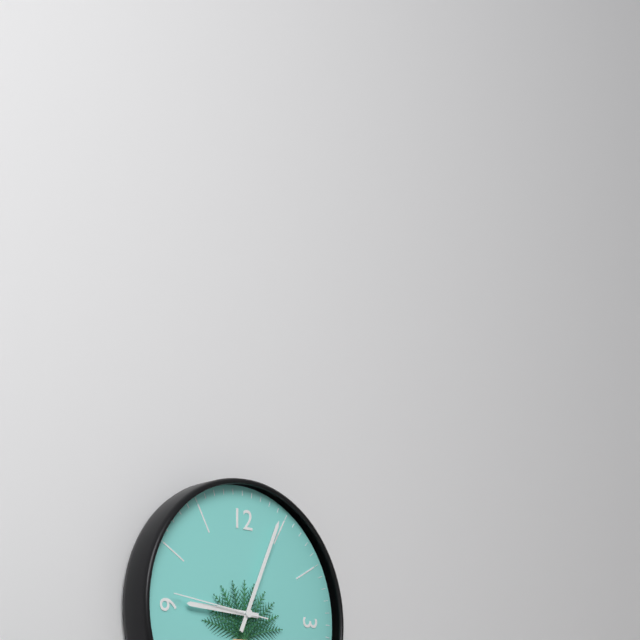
**9:04:46**
